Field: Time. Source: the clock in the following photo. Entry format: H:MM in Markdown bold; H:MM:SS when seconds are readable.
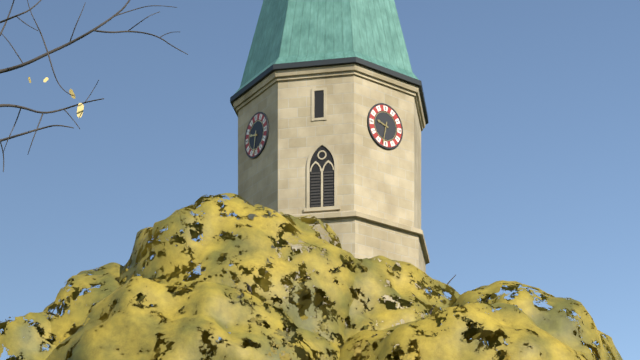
**9:32**
